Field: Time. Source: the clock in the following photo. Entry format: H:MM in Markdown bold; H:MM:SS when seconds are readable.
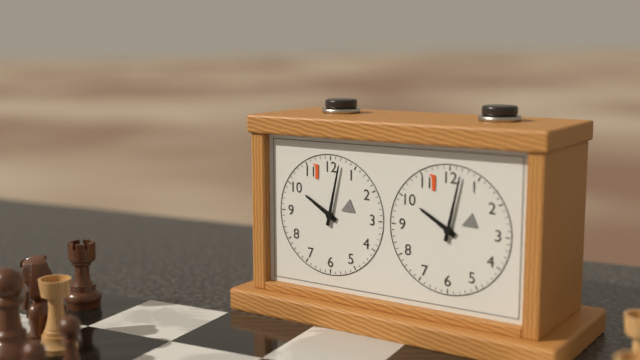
**10:02**
